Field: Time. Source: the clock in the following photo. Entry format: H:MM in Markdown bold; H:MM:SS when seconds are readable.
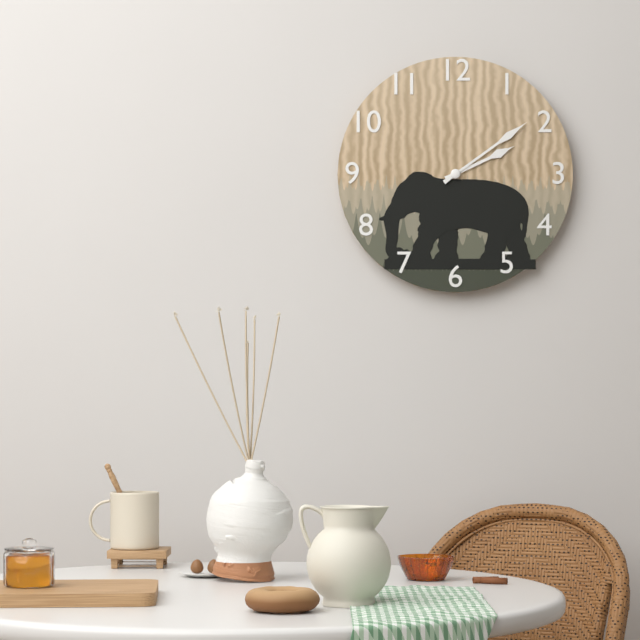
**2:09**
